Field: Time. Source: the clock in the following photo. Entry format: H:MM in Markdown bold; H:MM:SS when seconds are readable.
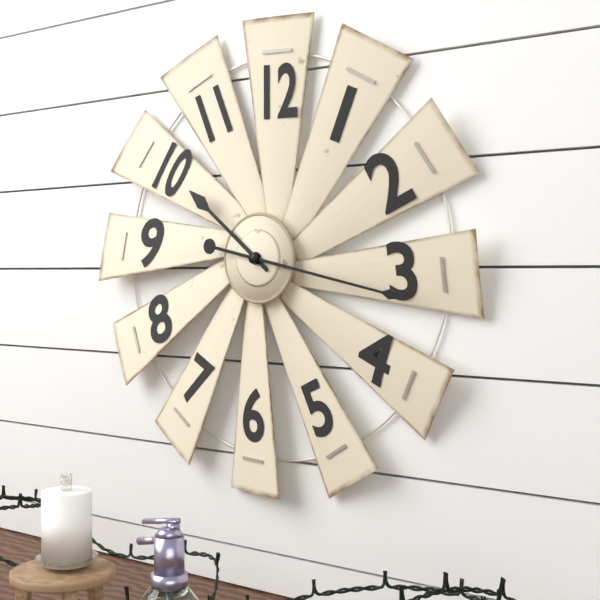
**10:17**
